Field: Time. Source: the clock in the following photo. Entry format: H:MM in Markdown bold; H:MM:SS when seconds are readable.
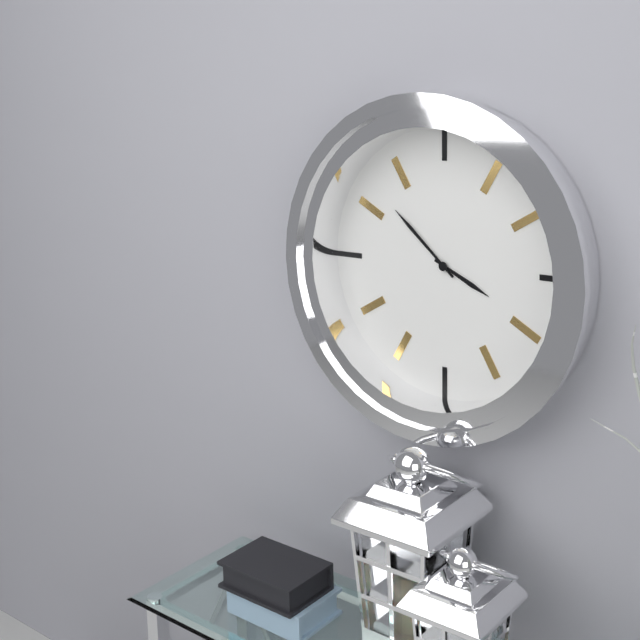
**3:52**
